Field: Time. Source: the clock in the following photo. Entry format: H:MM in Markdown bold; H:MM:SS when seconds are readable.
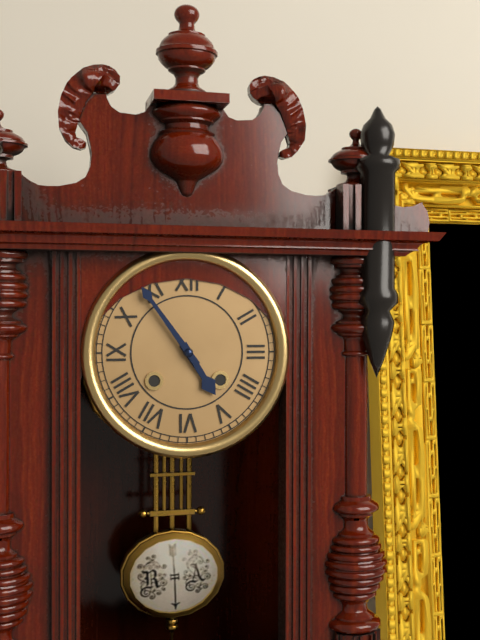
**4:54**
